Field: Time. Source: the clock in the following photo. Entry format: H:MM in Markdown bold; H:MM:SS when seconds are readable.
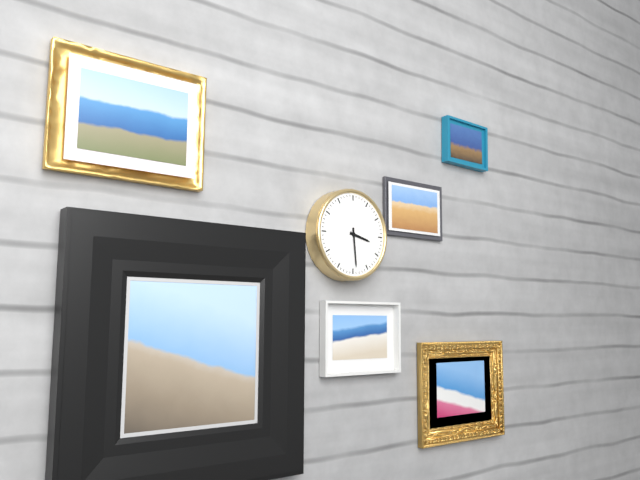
**3:29**
